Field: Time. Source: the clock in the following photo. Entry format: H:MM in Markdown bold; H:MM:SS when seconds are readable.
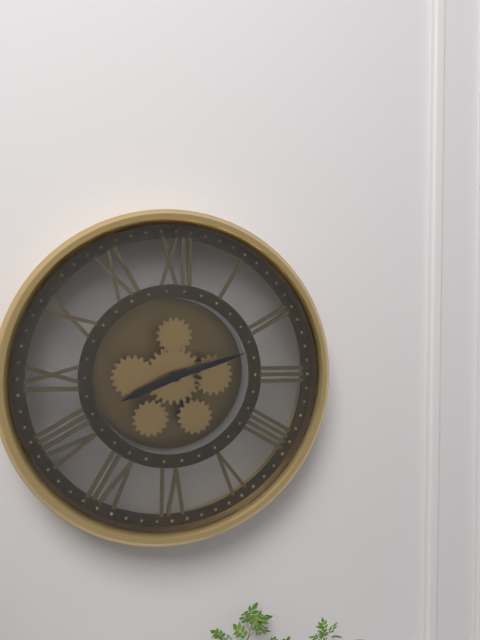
**8:12**
